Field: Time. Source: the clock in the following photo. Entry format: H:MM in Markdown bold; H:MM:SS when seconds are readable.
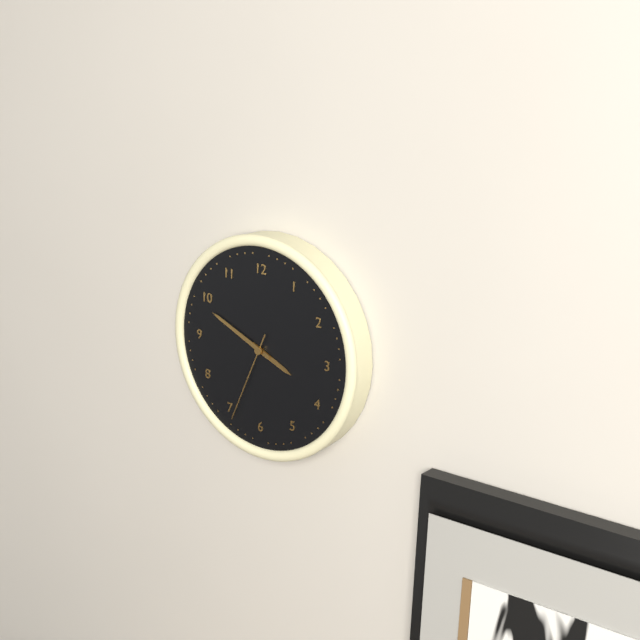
**3:49:34**
